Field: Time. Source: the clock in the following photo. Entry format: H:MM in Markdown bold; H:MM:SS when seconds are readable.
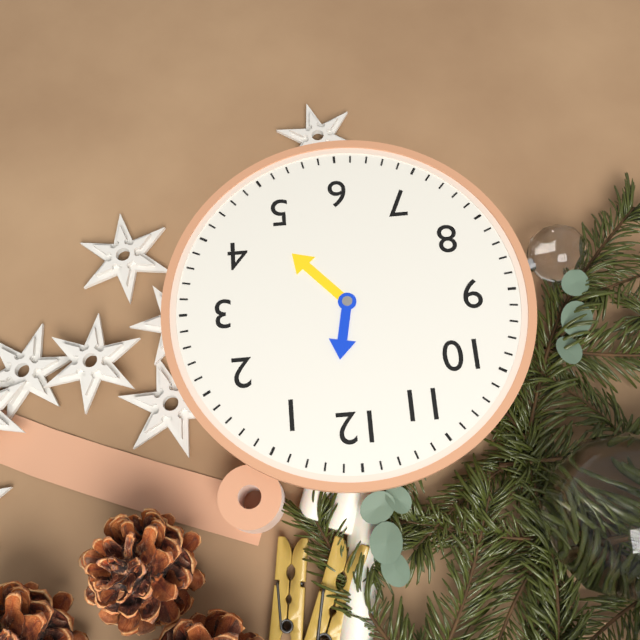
**12:23**
